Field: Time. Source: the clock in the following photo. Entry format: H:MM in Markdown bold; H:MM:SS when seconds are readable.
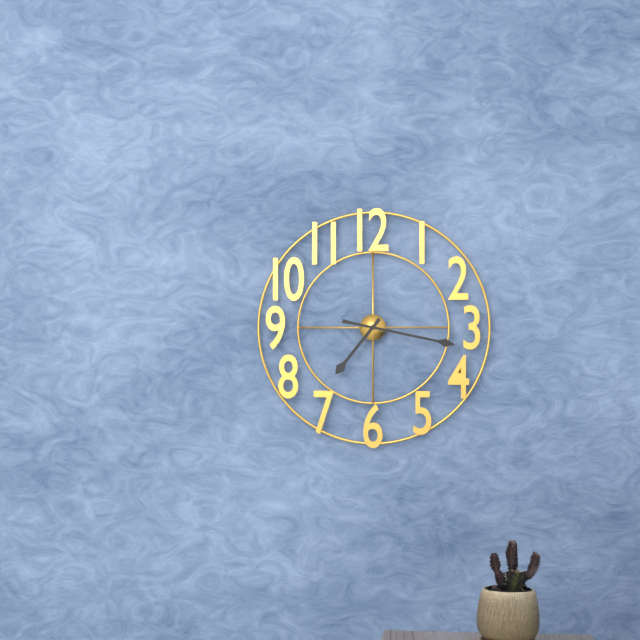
**7:17**
